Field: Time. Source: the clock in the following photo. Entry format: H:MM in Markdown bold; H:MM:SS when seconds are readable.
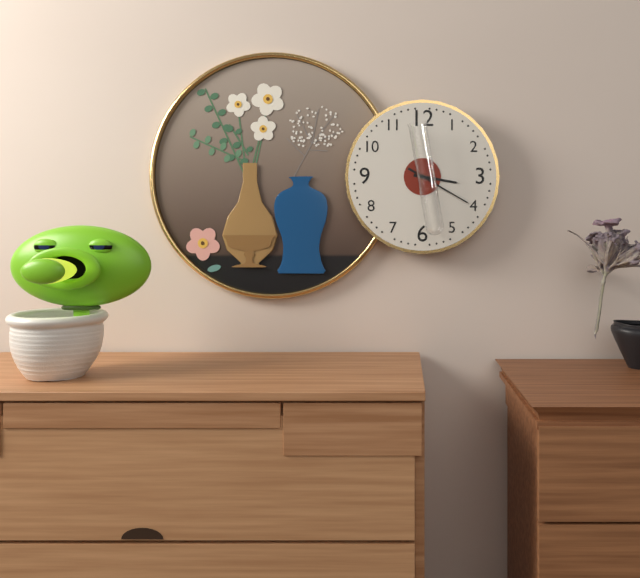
**3:20**
